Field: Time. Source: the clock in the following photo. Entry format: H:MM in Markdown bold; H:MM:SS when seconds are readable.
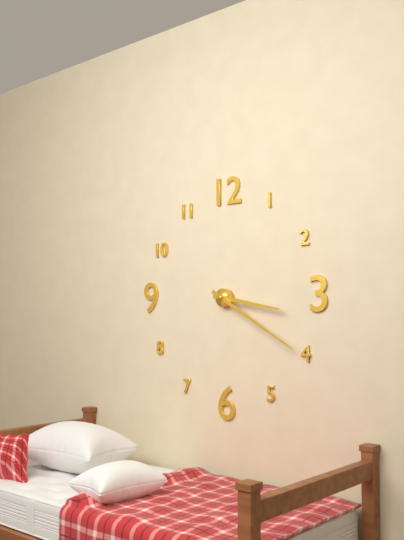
**3:20**
